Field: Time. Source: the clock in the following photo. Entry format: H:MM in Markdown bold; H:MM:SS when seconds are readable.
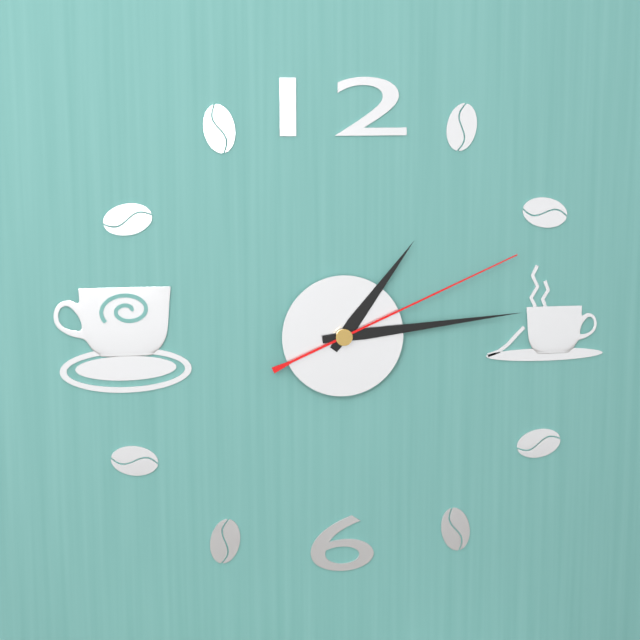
**1:14:11**
